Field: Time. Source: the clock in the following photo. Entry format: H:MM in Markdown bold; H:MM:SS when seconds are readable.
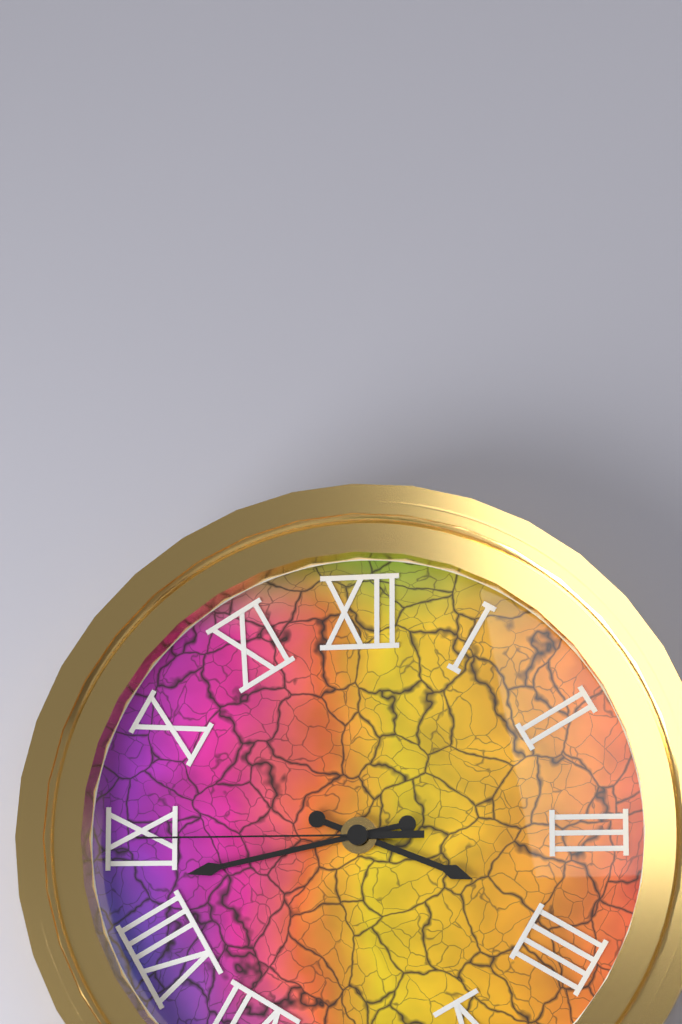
**3:43:45**
